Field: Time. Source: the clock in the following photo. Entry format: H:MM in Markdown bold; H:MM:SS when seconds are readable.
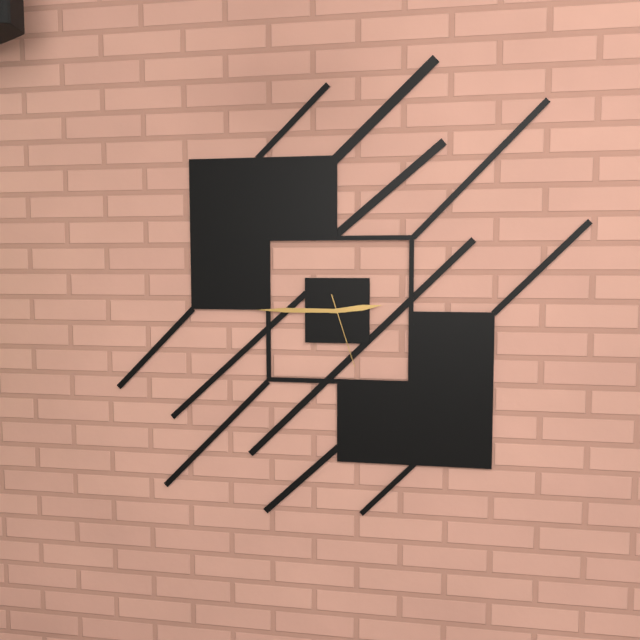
**2:45:27**
